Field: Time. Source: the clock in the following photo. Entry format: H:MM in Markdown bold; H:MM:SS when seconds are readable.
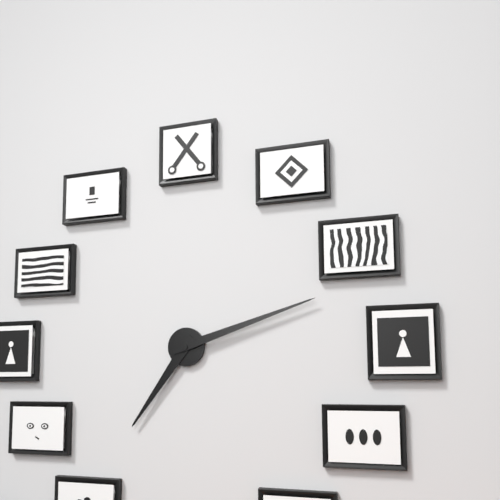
**7:12**
